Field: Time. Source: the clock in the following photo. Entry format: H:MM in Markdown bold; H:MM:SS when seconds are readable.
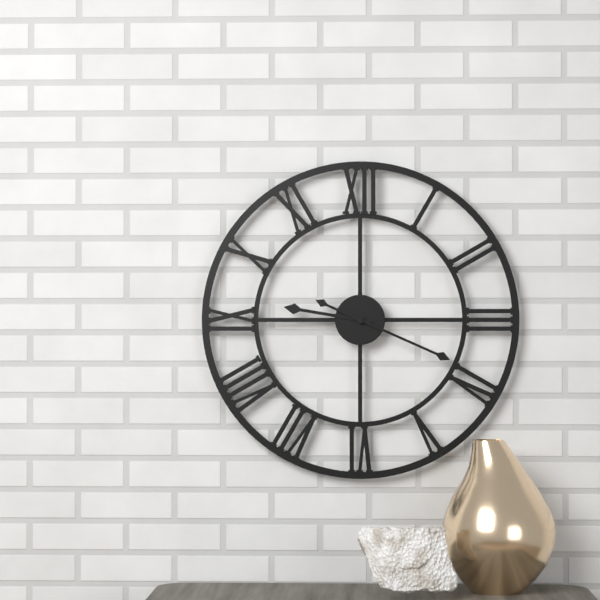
**9:19**
